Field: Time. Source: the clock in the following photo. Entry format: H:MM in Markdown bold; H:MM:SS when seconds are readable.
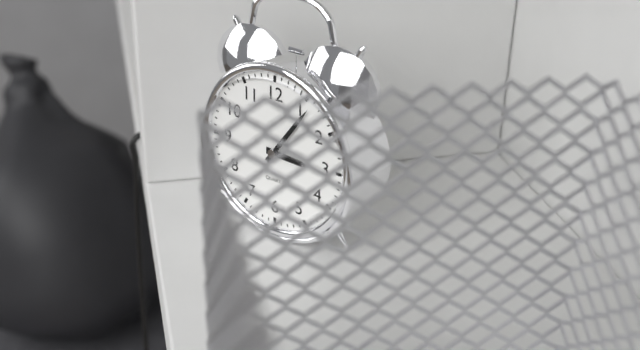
**3:06**
